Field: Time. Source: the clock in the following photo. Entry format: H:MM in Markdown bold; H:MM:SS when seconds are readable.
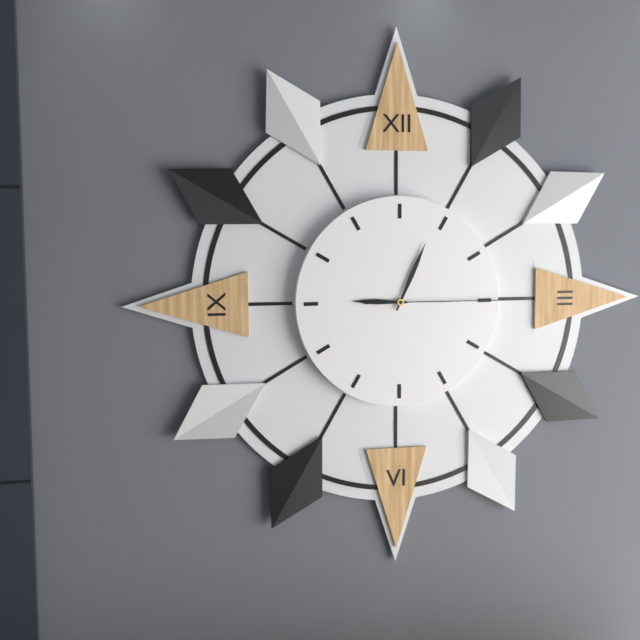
**9:04:15**
